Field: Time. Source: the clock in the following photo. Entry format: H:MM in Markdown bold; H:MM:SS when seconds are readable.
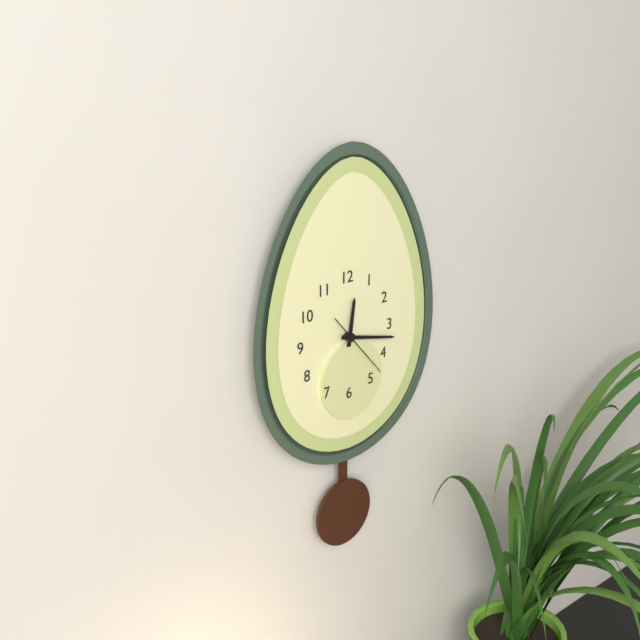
**12:17:23**
